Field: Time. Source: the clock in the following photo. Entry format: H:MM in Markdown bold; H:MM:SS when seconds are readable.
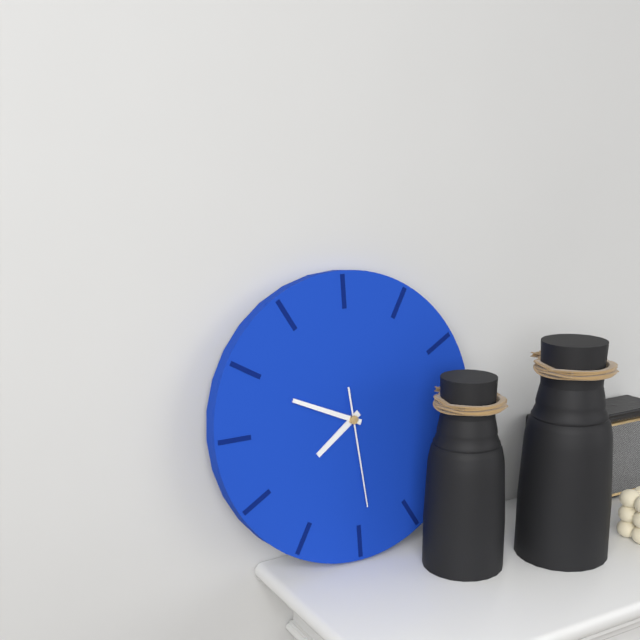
**7:49:29**
